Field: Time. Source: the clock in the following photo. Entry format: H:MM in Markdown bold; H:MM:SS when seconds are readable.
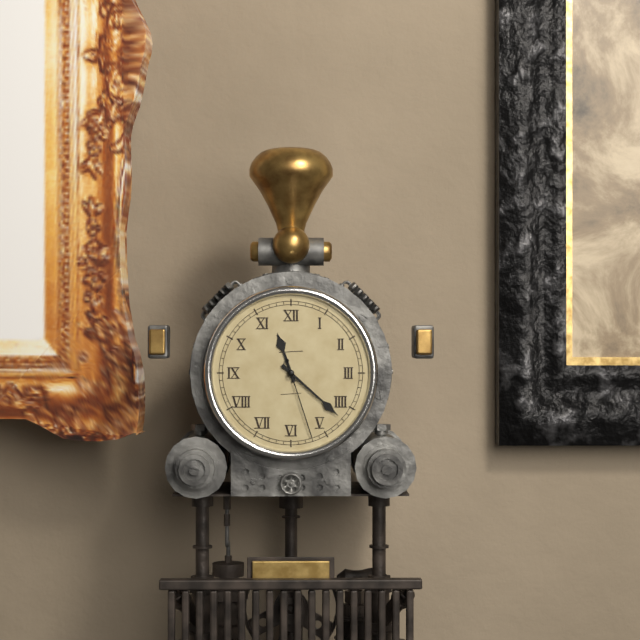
**11:22:27**
